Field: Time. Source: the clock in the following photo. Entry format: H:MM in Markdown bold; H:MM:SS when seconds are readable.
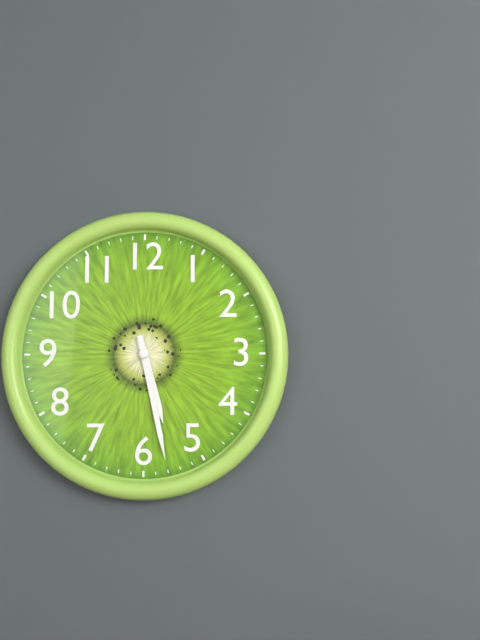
**5:28**
